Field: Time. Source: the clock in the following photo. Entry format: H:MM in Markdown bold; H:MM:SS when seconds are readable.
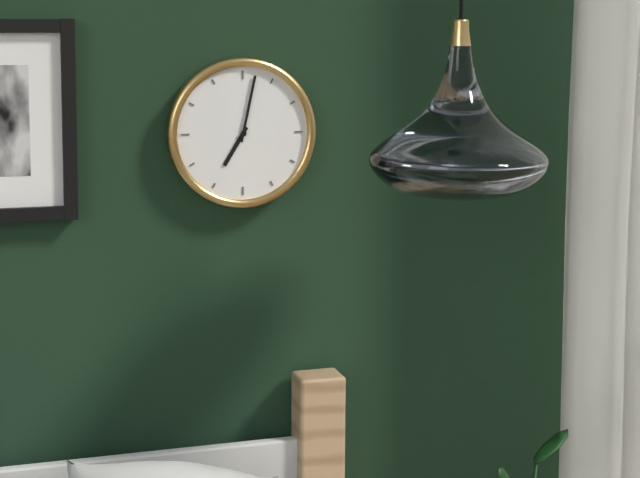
**7:02**
